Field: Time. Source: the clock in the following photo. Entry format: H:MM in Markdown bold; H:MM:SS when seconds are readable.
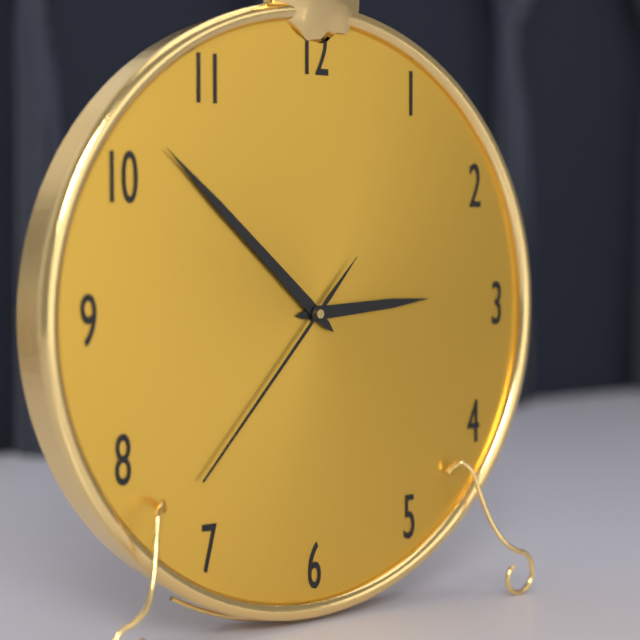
**2:52:37**
